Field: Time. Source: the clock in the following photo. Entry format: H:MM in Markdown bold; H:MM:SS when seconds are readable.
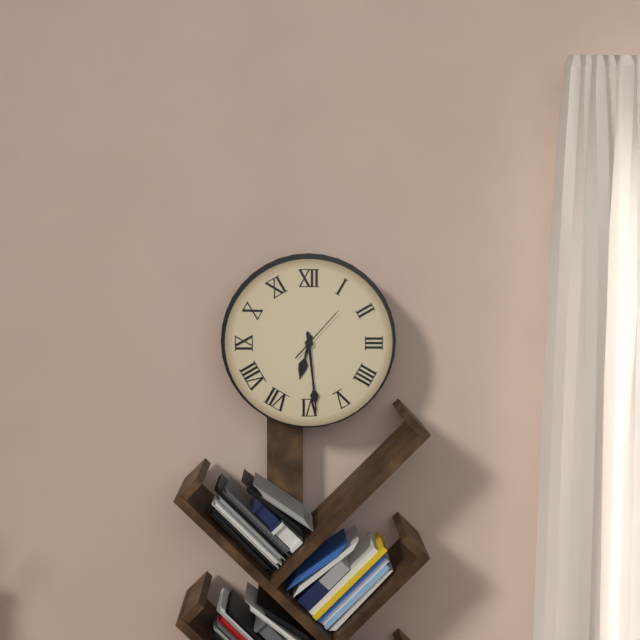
**6:29:07**
